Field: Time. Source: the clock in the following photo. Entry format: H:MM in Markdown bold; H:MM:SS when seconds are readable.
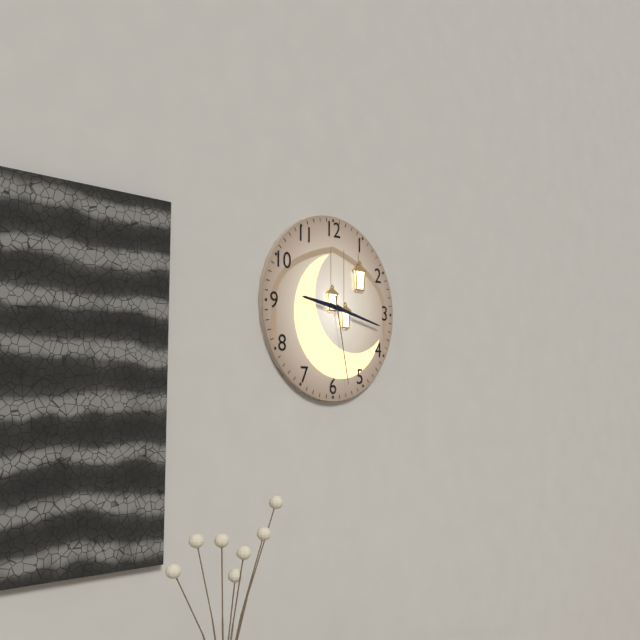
**9:17:28**
